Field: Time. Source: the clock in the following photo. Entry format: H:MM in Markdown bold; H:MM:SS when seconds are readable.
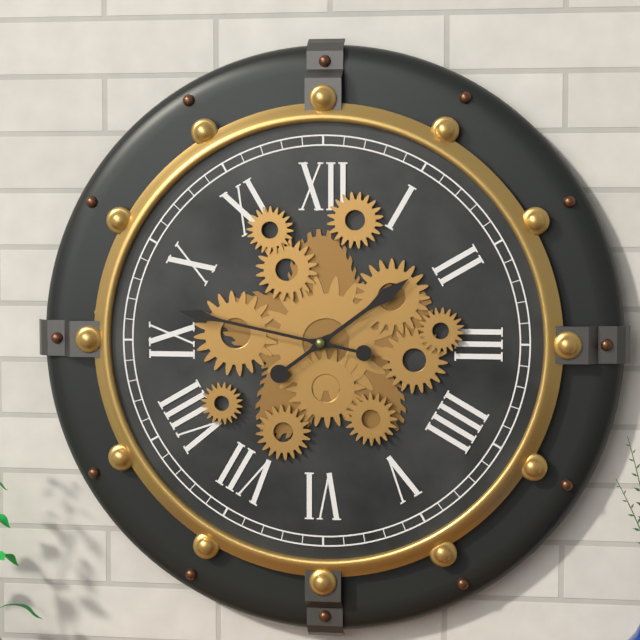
**1:47**
